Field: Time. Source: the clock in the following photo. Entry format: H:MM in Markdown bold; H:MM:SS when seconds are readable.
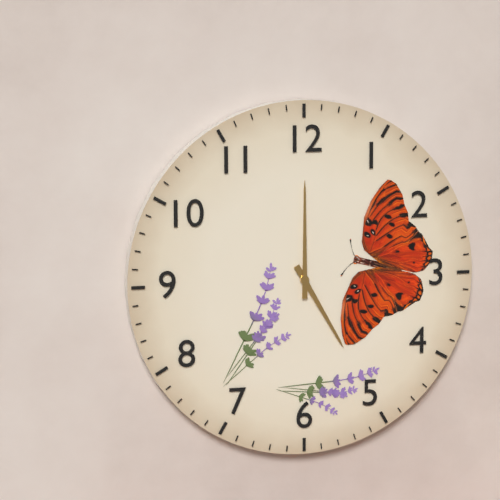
**5:00**
